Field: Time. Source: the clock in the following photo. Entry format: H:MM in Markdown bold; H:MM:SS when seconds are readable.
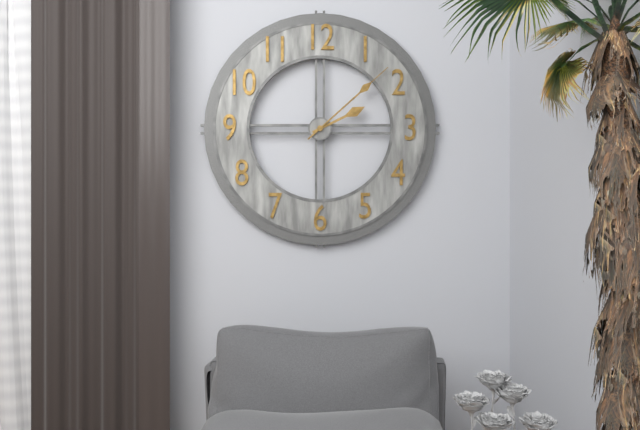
**2:08:08**
